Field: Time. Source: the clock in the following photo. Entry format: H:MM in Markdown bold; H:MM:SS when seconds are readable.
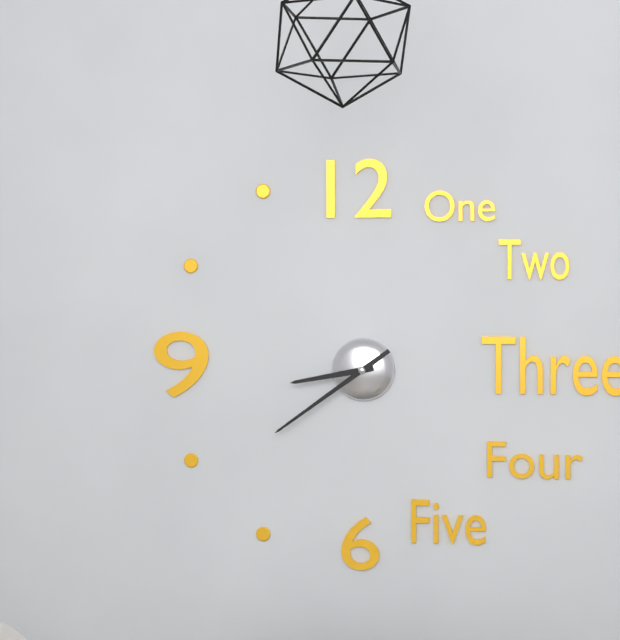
**8:39**
